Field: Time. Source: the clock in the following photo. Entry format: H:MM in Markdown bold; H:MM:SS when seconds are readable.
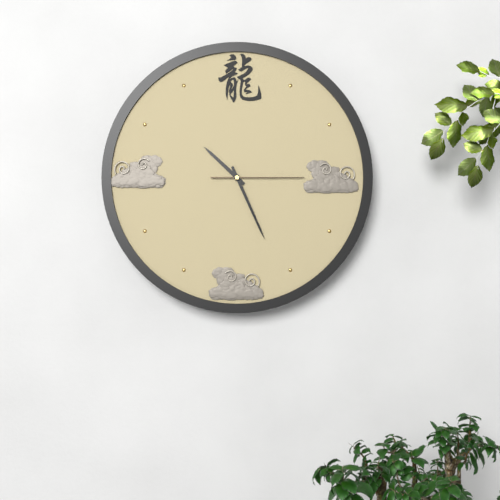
**10:26:15**
